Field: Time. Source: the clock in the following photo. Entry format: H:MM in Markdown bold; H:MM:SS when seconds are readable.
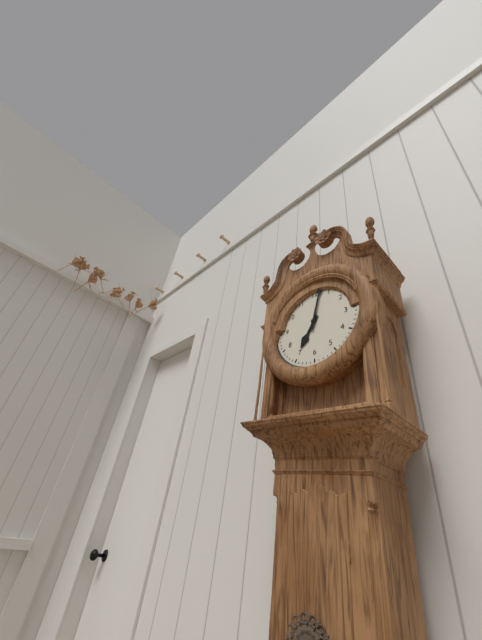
**7:02**
